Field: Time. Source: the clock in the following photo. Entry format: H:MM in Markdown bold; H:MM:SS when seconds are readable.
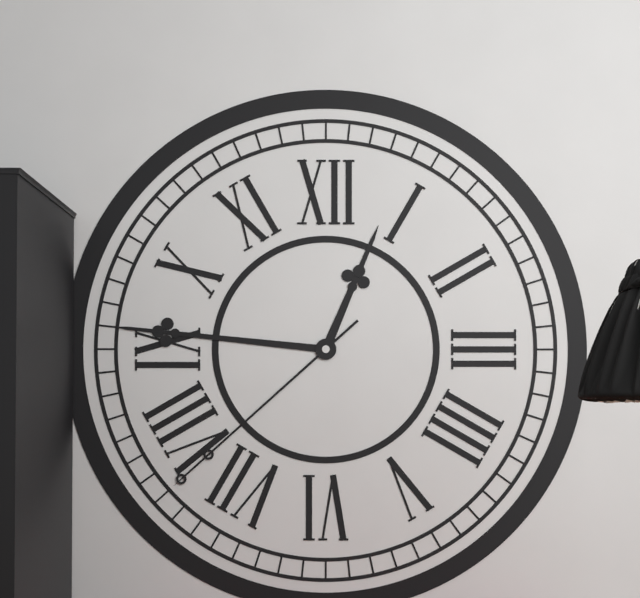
**12:46:38**
